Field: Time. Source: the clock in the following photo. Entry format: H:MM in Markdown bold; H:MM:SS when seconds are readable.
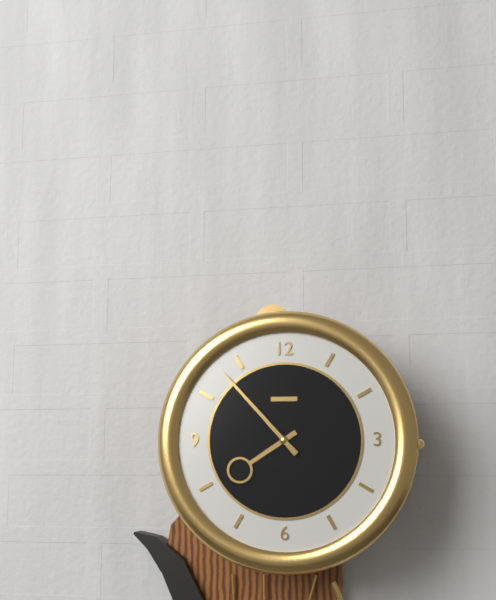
**7:53**
